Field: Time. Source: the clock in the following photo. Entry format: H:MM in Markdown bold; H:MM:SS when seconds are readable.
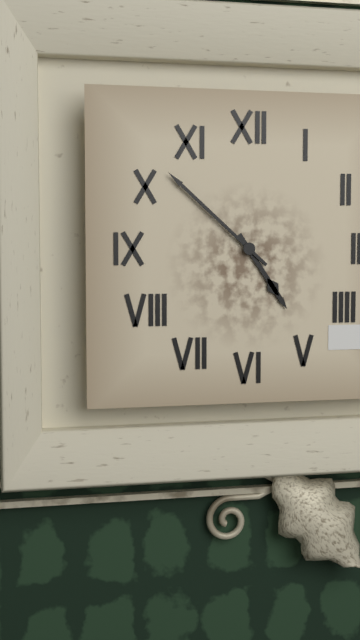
**4:52**
